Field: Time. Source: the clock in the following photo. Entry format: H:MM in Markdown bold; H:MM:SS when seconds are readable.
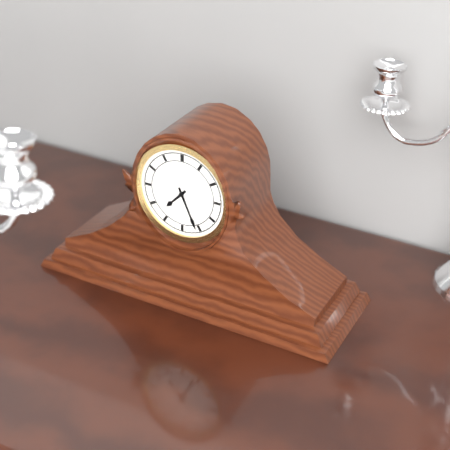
**7:26**
